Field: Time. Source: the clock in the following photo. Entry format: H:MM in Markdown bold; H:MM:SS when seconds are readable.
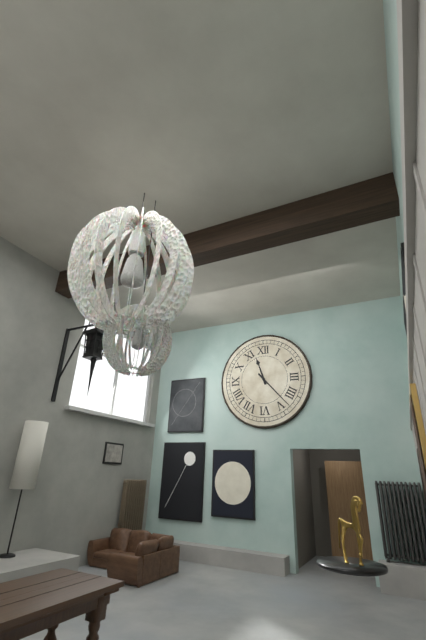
**11:23**
